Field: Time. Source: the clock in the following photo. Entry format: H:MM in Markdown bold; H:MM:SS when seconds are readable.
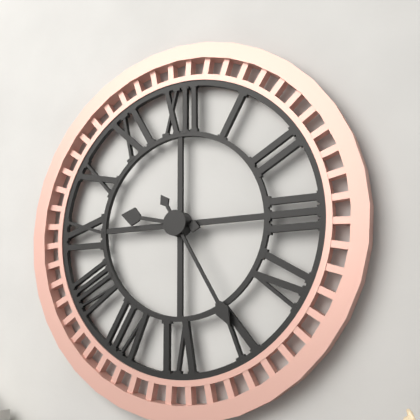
**9:25**
